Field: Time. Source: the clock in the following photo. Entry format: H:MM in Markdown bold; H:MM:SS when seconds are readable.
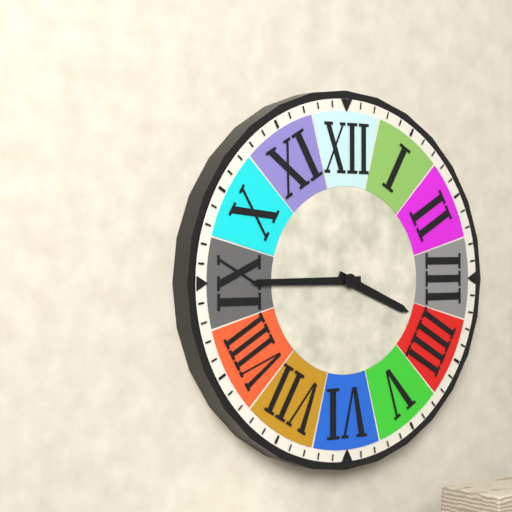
**3:45**
